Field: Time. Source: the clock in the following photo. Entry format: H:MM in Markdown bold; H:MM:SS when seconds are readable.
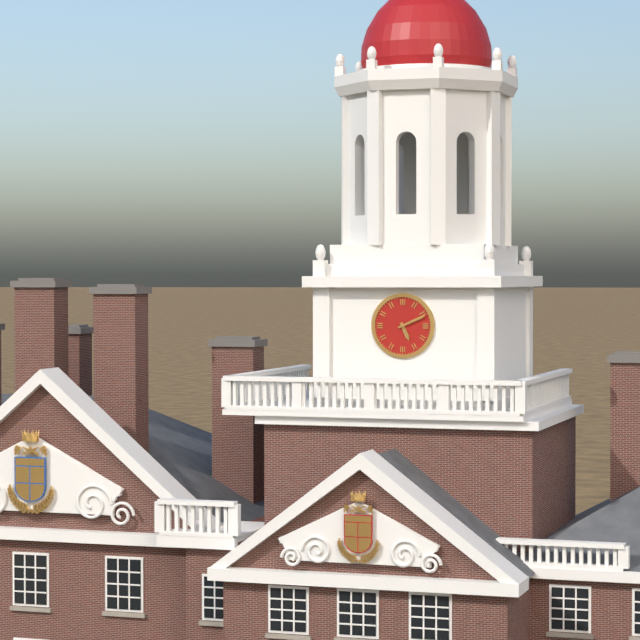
**5:11**
